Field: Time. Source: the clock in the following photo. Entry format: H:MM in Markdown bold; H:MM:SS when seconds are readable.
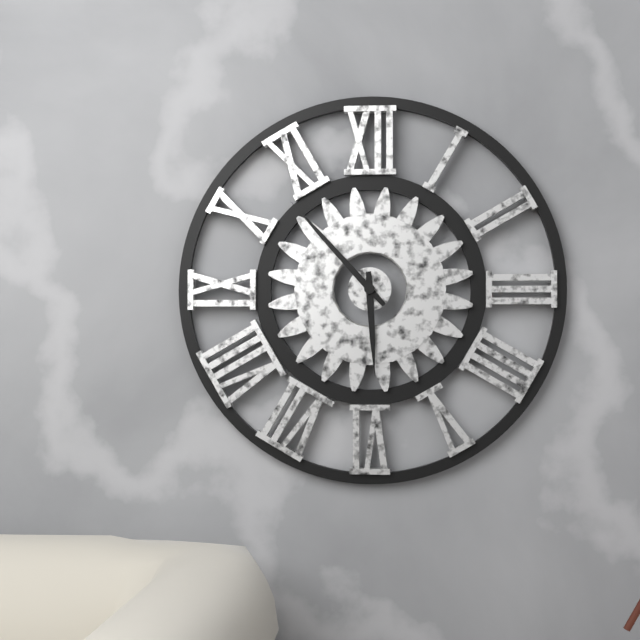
**5:53**
